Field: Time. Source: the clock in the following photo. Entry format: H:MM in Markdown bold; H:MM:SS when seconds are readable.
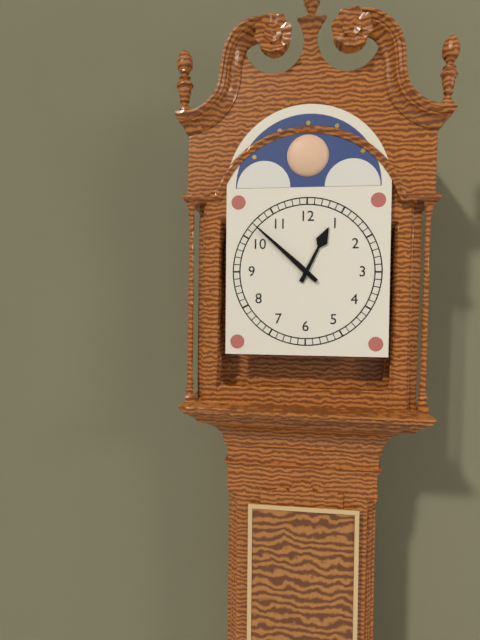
**12:52**
